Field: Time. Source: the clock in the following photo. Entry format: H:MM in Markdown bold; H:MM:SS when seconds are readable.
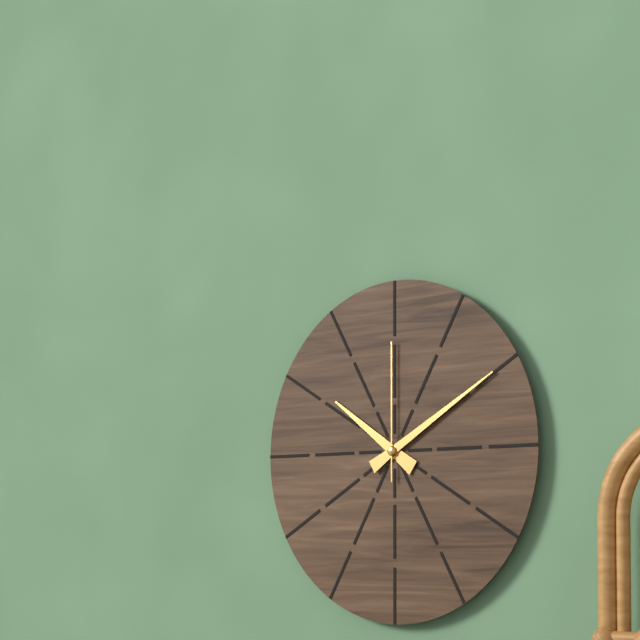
**10:10:00**
